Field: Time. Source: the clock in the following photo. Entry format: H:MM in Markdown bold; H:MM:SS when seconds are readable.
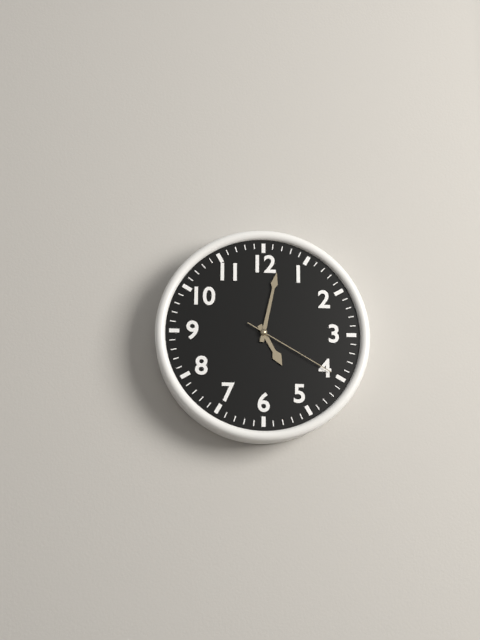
**5:02:20**
